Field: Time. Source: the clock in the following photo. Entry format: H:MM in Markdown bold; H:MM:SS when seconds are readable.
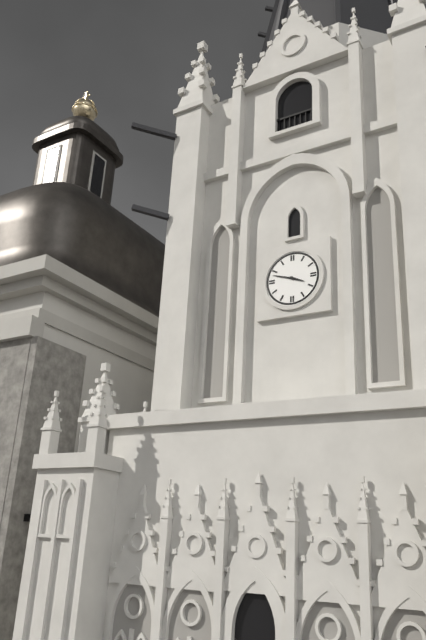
**3:48**
